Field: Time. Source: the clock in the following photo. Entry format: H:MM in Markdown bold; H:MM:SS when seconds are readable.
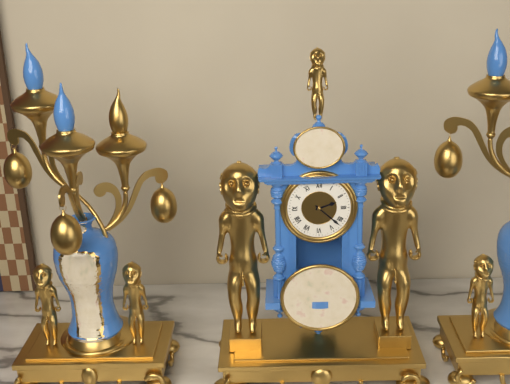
**2:22**
